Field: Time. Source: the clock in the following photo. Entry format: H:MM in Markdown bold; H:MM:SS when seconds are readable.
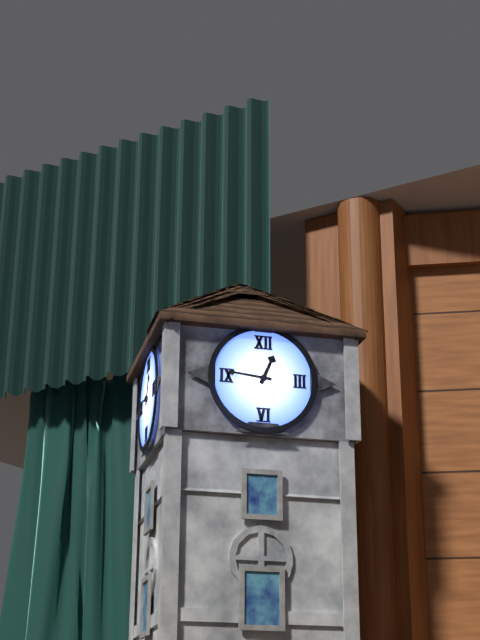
**12:46**
